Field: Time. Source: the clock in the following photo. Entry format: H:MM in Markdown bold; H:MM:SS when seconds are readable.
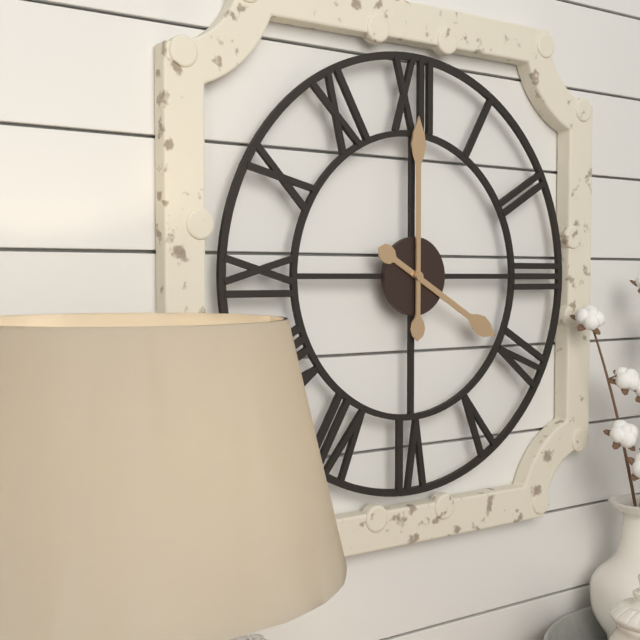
**4:00**
